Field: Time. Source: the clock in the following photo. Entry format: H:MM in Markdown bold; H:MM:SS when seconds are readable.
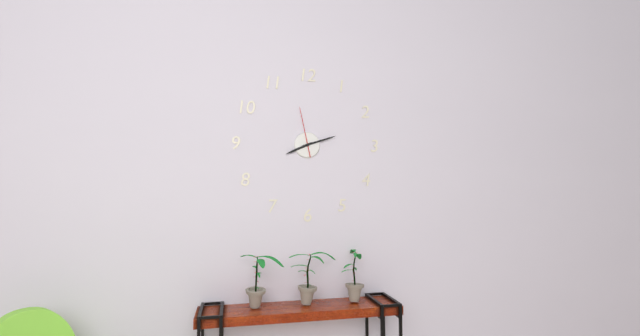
**8:12**
